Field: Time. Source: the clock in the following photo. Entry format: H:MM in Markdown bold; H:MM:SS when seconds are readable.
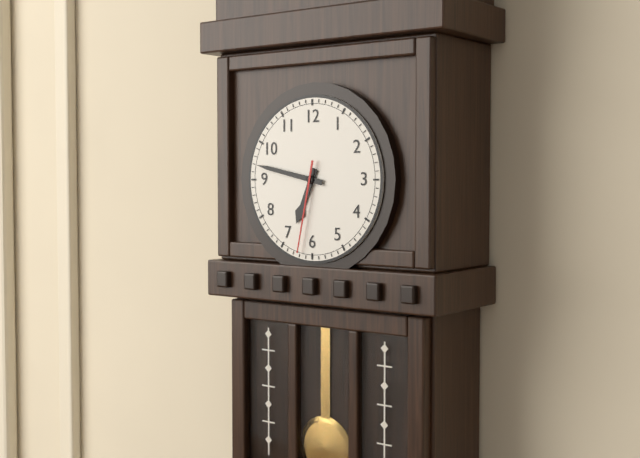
**6:47:32**
